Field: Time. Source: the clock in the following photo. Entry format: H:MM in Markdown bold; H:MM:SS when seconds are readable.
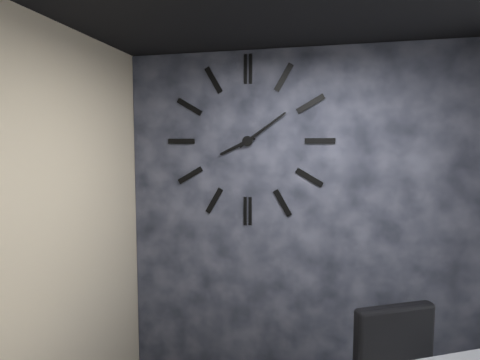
**8:09**
